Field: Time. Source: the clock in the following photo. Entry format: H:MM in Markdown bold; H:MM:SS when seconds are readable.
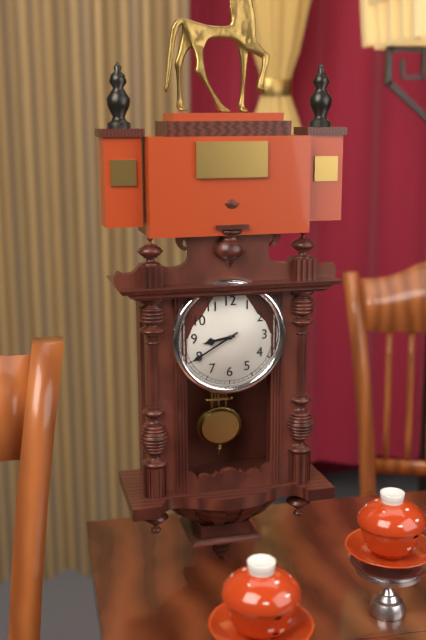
**8:40**
